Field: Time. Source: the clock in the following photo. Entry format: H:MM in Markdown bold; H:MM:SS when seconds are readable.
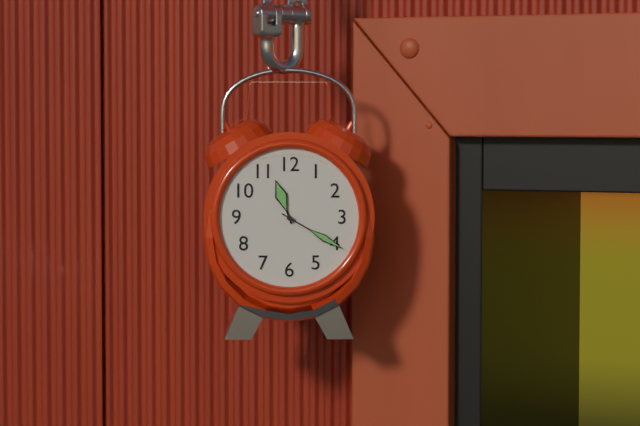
**11:20**
